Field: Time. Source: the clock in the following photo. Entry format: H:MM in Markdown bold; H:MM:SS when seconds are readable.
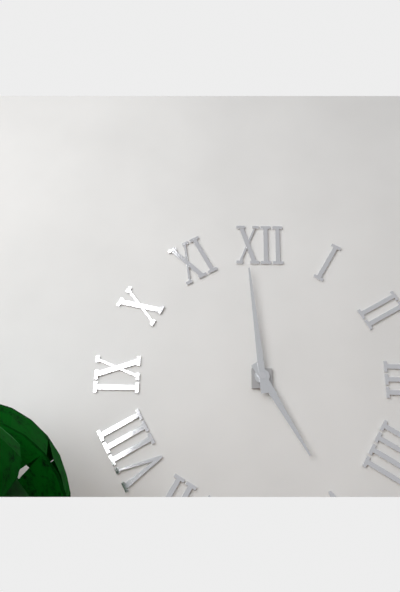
**4:59**
